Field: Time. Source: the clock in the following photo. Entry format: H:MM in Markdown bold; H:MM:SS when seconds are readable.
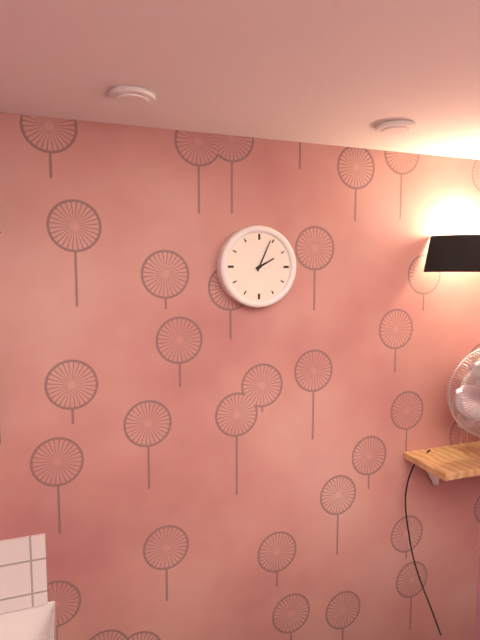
**2:04**
